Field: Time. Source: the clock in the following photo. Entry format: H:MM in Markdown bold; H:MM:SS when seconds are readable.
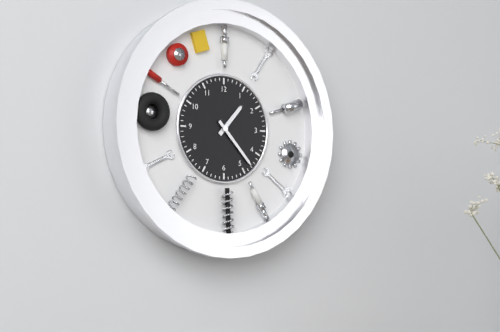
**1:23**
